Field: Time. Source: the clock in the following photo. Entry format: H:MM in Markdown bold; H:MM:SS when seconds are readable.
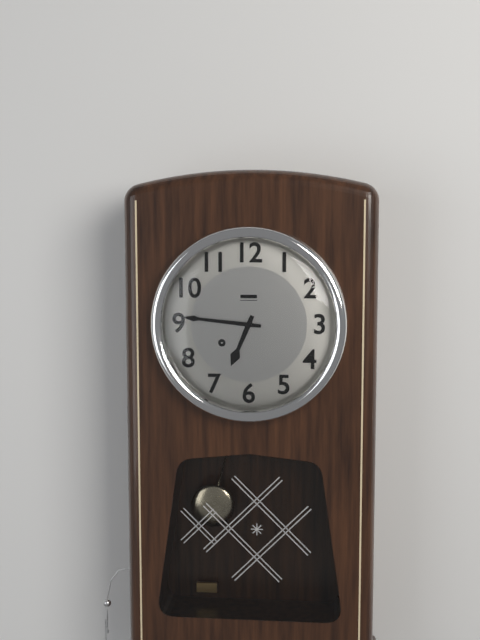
**6:46**
